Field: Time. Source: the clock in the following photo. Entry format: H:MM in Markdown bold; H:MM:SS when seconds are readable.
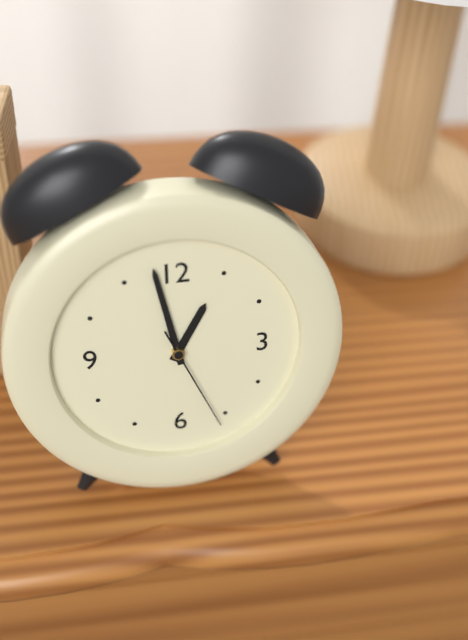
**12:58:26**
